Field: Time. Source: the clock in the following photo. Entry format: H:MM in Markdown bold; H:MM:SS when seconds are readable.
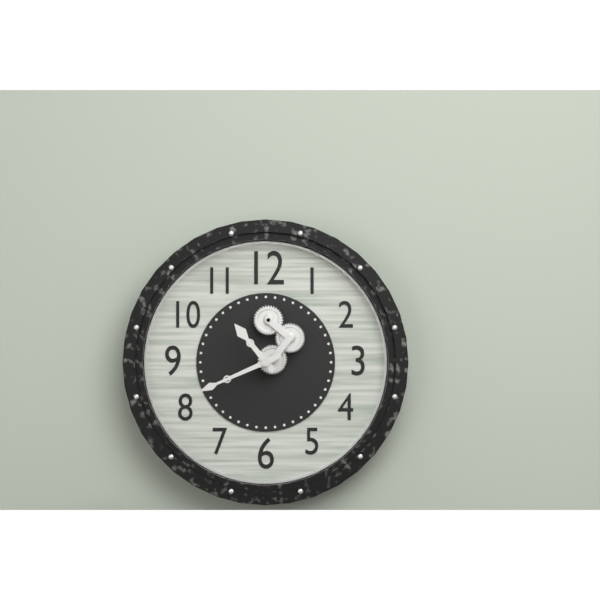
**10:41**
